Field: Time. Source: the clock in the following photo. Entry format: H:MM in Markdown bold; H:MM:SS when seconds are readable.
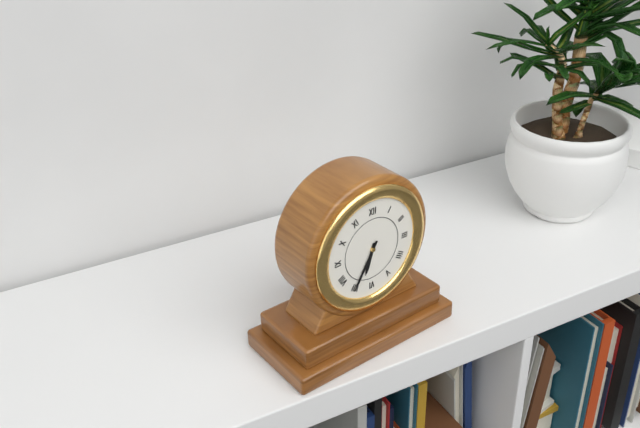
**6:35**
